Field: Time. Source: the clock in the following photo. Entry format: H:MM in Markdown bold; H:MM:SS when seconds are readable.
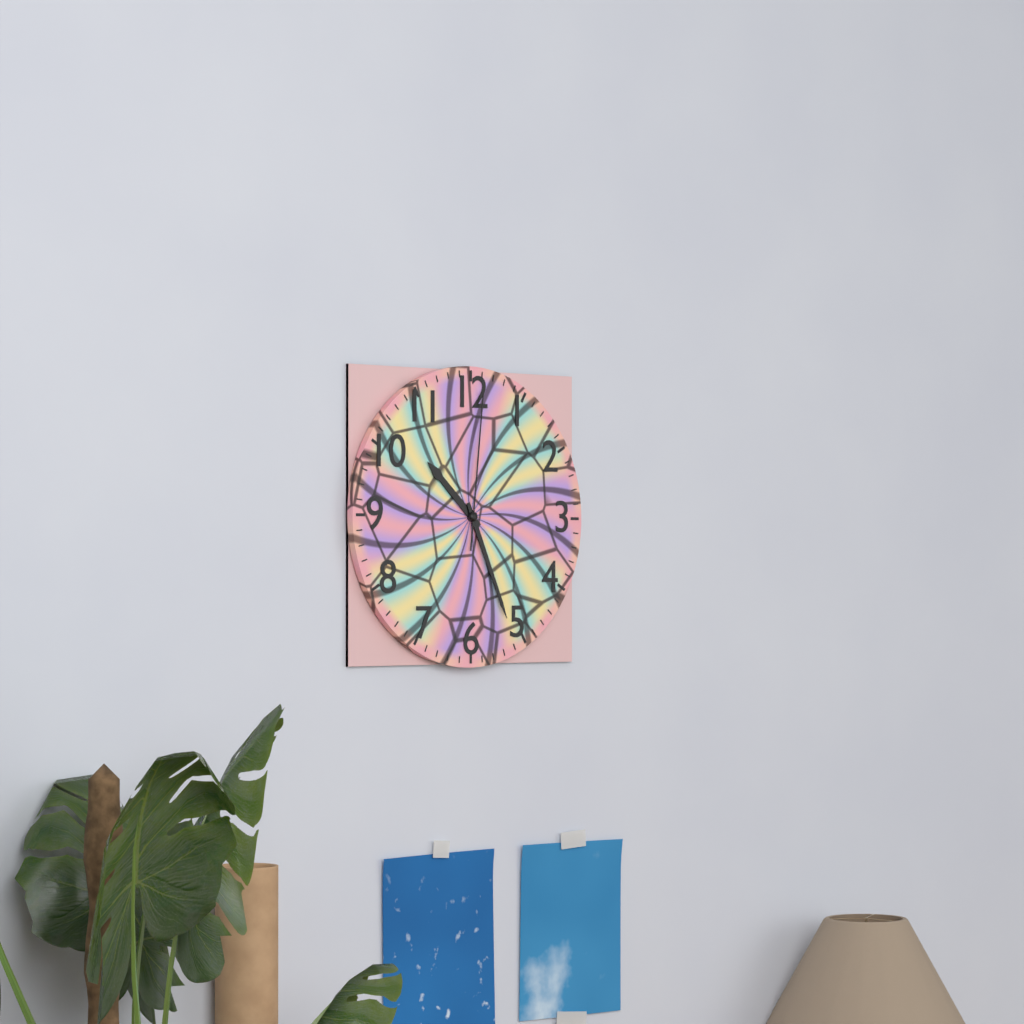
**10:26:01**
